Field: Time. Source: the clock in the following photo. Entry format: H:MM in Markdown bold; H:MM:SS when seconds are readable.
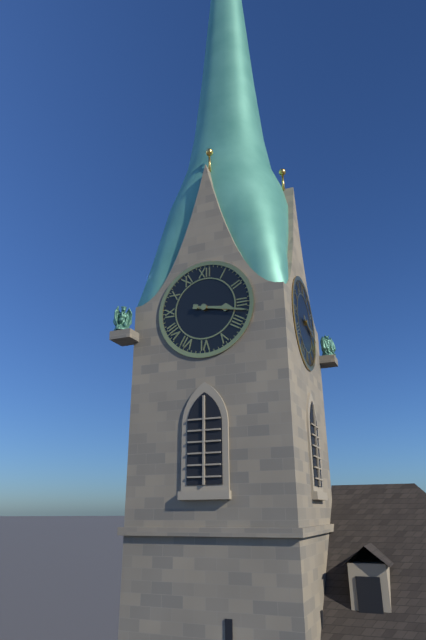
**3:17**
